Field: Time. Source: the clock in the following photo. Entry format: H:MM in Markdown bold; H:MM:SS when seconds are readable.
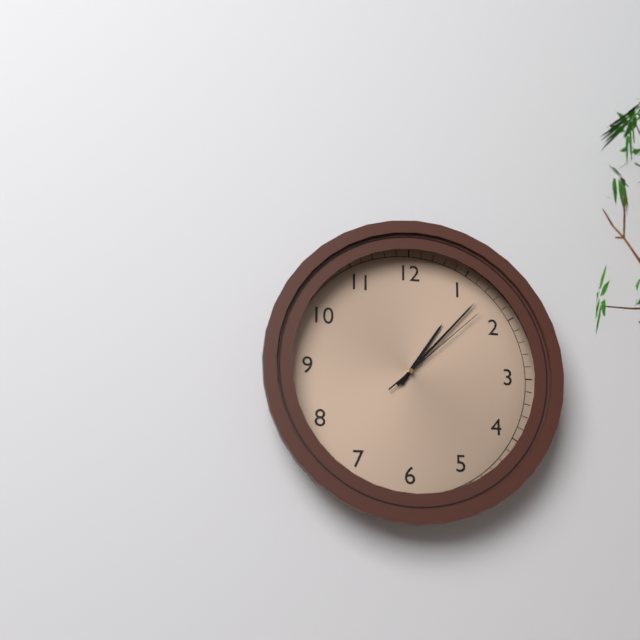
**1:07:08**
